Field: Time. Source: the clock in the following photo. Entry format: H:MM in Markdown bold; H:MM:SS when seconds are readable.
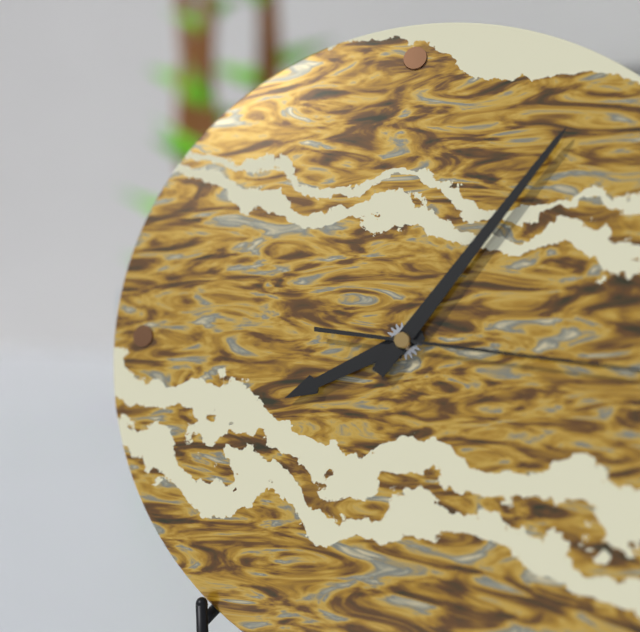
**8:06**
